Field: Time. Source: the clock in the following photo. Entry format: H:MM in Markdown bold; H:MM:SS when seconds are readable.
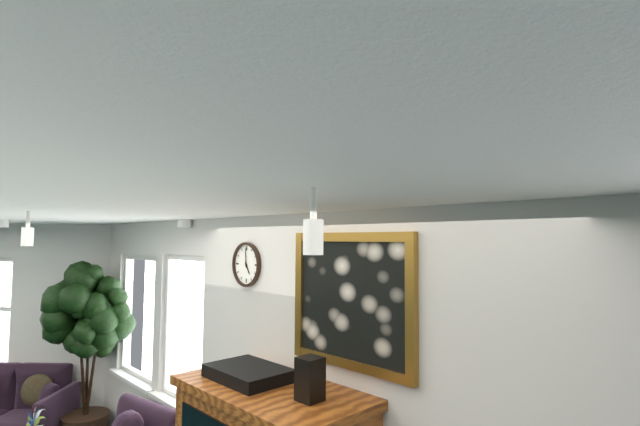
**4:59**
